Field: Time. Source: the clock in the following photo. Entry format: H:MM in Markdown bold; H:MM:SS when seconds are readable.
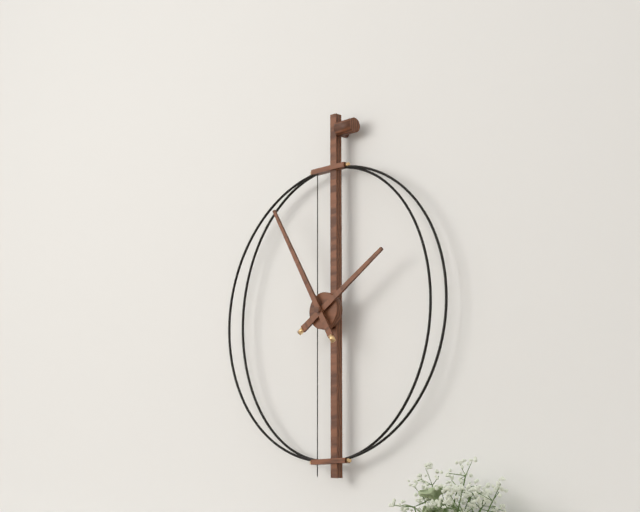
**1:55**
